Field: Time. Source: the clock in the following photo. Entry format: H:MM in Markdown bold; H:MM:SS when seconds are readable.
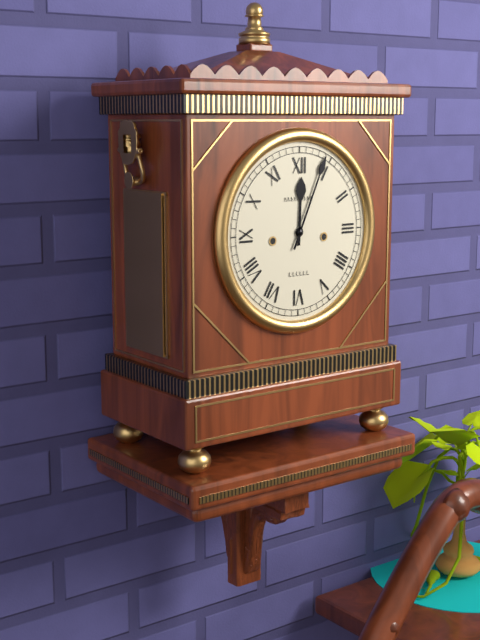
**12:04**
